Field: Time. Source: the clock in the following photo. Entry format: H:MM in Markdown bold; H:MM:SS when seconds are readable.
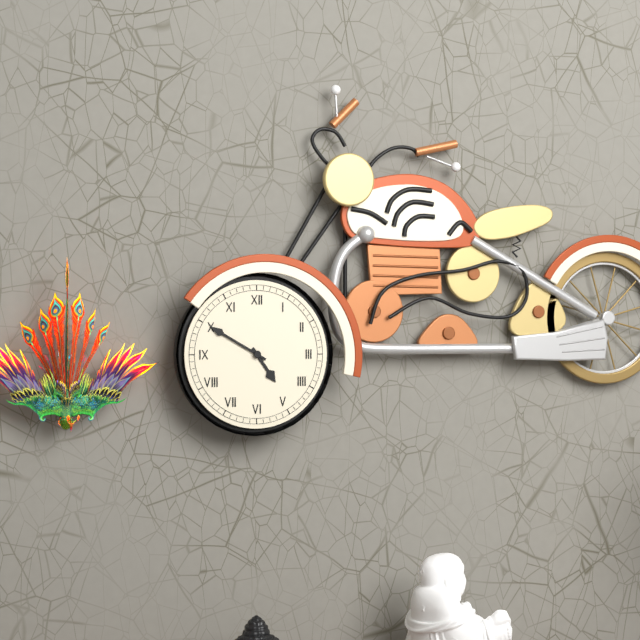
**4:50**
